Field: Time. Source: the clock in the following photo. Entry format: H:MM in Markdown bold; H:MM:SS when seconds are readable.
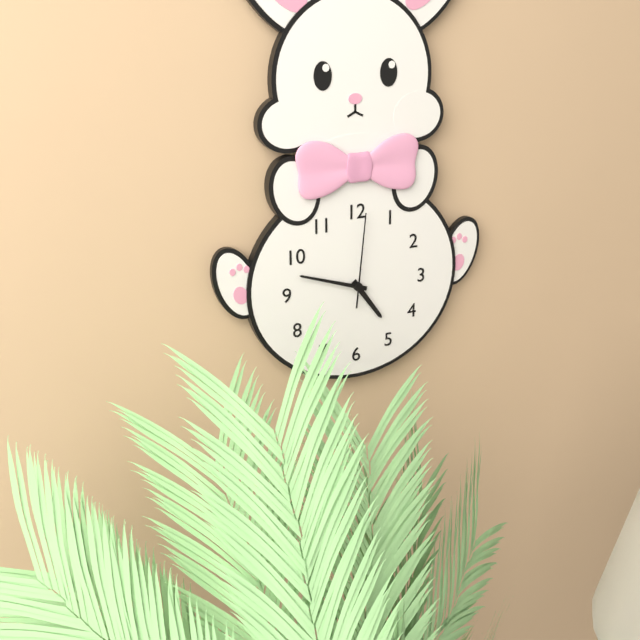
**4:48:01**
